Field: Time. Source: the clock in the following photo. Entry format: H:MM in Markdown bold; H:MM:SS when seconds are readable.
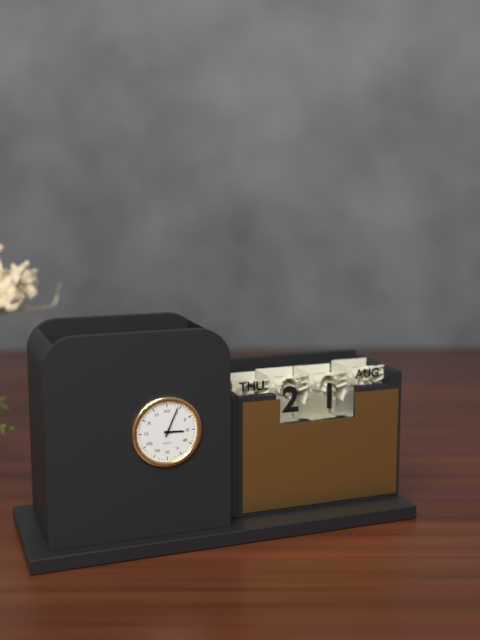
**3:04**
